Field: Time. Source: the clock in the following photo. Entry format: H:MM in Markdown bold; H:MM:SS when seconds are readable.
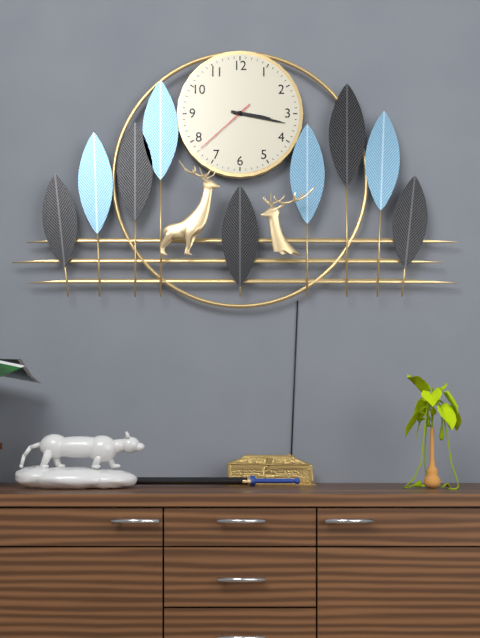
**3:17:38**
